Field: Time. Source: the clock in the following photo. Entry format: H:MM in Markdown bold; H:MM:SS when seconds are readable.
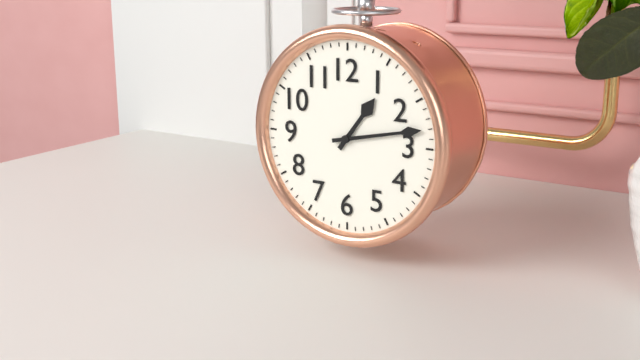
**1:13**
